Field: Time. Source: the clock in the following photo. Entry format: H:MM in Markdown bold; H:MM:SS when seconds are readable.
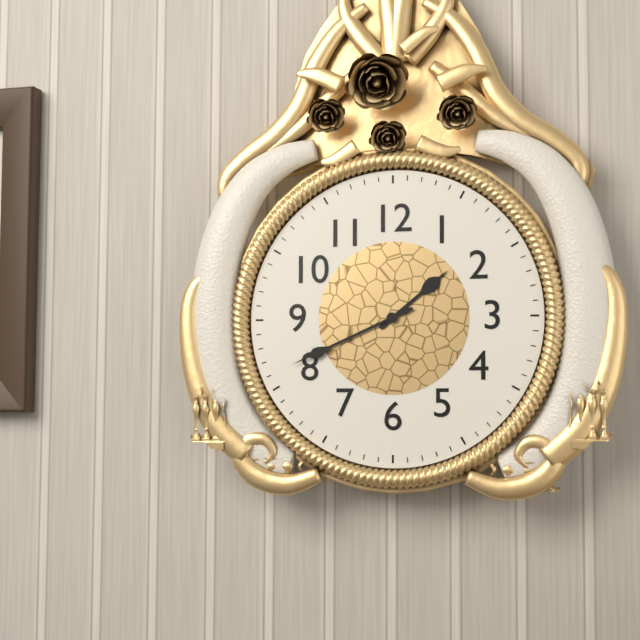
**1:41**
